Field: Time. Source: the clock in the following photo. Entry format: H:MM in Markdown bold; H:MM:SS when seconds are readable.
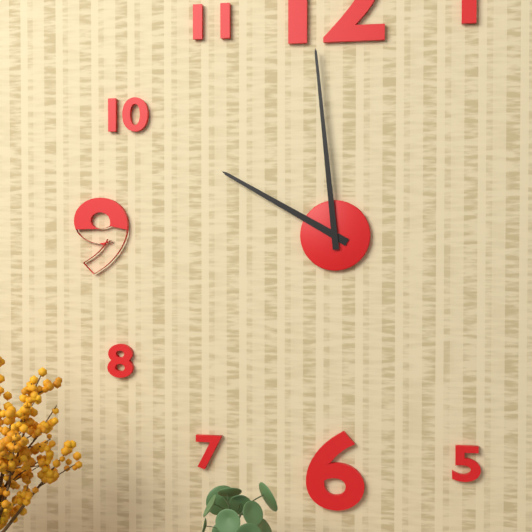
**9:59**
